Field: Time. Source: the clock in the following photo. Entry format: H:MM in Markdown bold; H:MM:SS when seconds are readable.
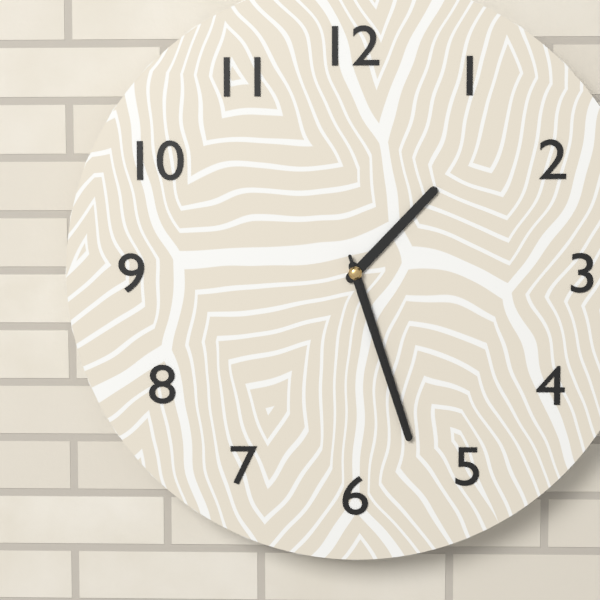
**1:27:27**
